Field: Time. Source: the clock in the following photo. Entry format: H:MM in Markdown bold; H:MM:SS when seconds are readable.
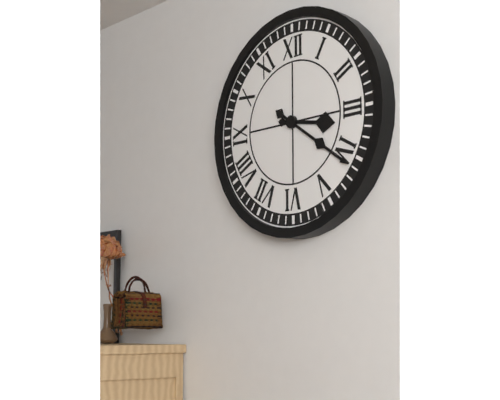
**3:21**
